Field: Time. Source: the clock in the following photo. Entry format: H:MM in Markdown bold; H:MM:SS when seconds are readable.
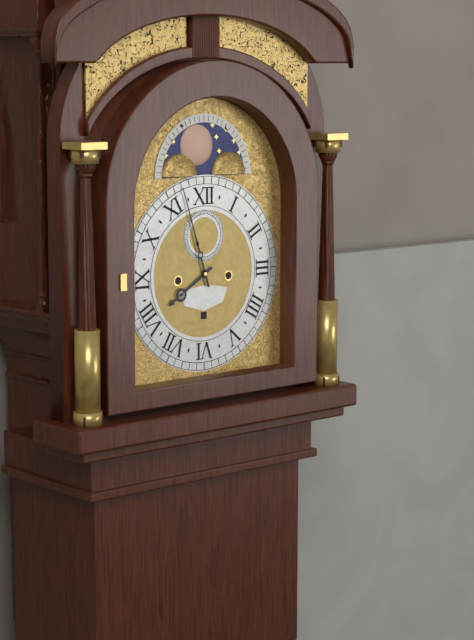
**7:57**
